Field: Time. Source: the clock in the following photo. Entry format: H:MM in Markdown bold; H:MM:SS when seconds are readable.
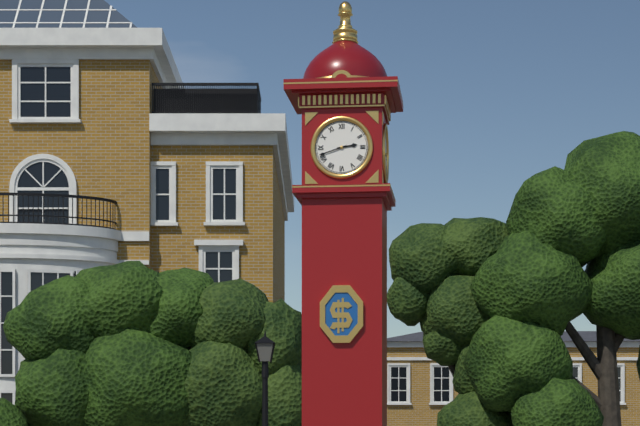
**2:42**
